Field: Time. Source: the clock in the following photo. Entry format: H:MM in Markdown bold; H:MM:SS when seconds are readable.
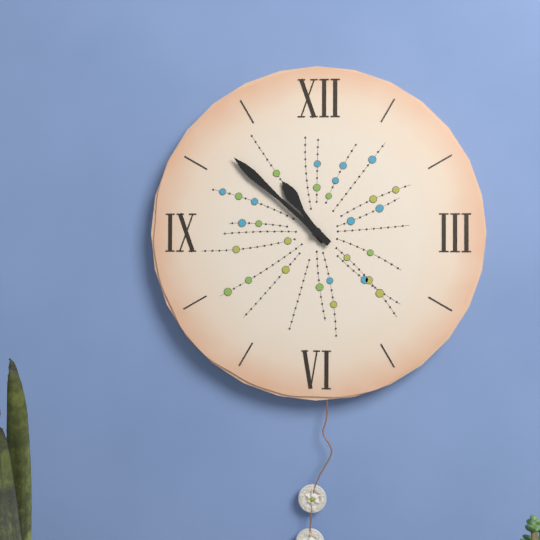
**10:52**
